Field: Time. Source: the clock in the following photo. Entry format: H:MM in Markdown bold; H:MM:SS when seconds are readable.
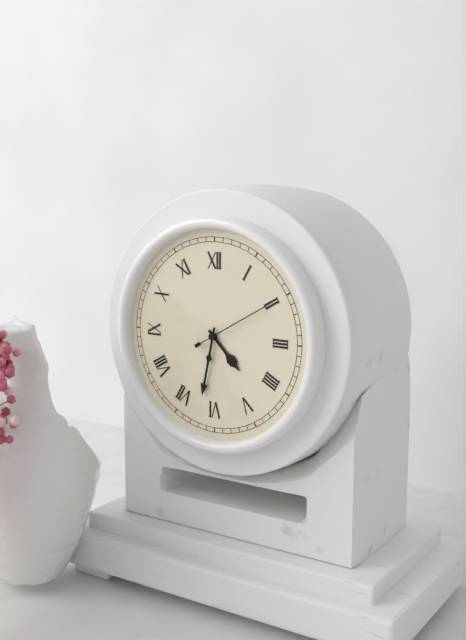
**4:32:10**
